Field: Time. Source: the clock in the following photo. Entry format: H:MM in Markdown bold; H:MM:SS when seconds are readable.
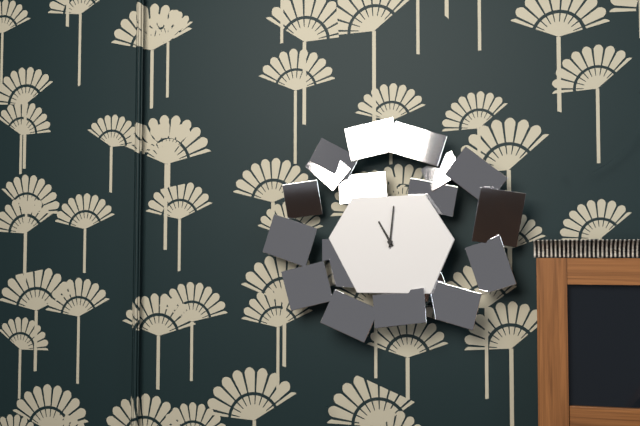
**11:01**
